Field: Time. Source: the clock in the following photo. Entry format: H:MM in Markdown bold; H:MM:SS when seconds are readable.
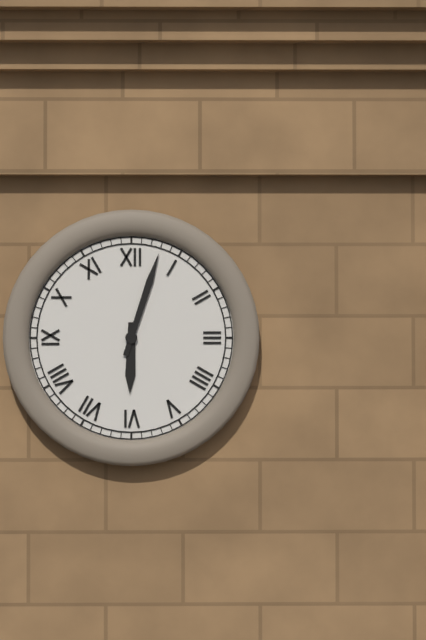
**6:03**
